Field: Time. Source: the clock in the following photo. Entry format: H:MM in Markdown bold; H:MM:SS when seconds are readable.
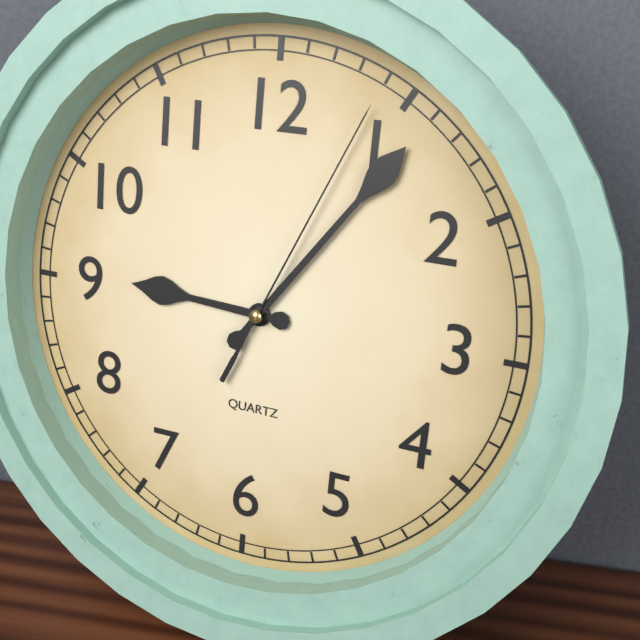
**9:06:04**
